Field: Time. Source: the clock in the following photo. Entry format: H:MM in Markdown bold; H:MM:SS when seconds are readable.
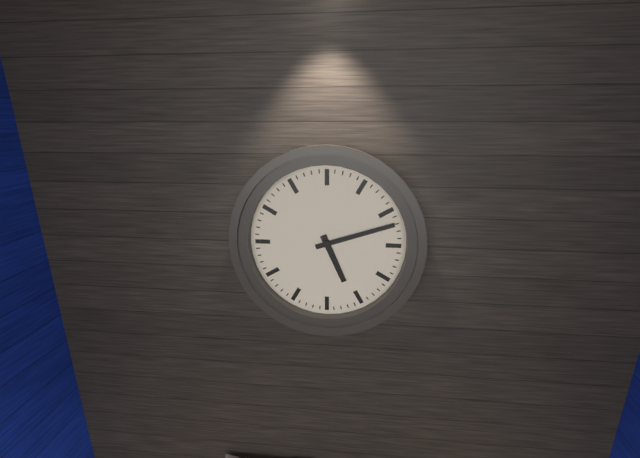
**5:12**
